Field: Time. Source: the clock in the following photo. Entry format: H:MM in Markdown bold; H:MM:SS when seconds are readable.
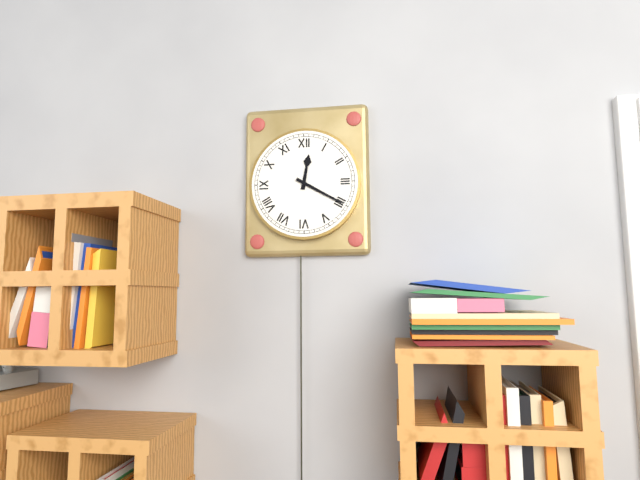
**12:20**
